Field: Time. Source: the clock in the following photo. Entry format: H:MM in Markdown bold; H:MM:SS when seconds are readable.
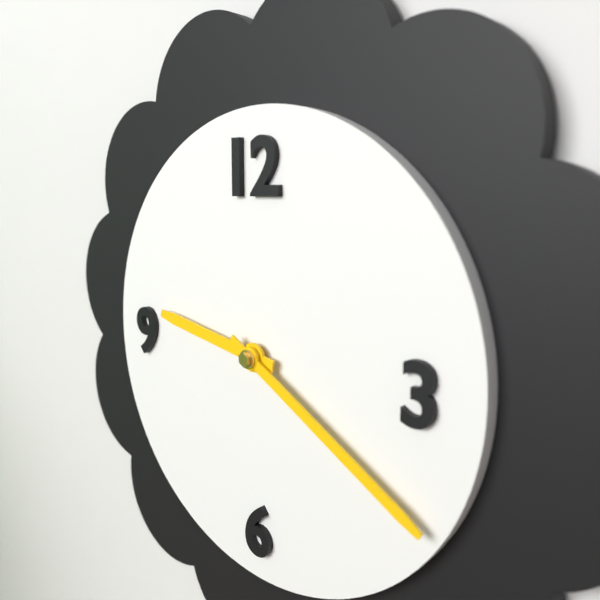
**9:20**
